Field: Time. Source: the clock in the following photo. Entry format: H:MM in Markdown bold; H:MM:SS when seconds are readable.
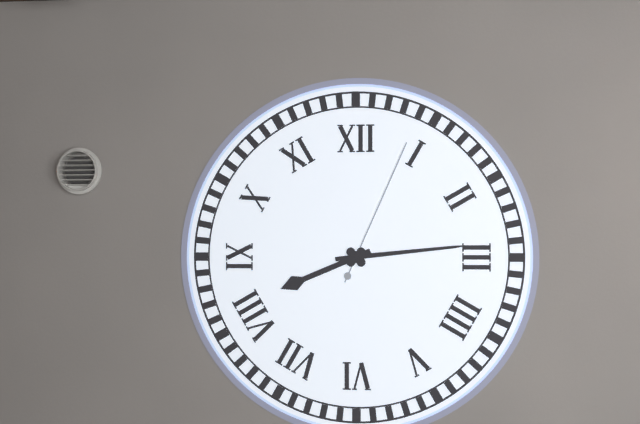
**8:14:04**
